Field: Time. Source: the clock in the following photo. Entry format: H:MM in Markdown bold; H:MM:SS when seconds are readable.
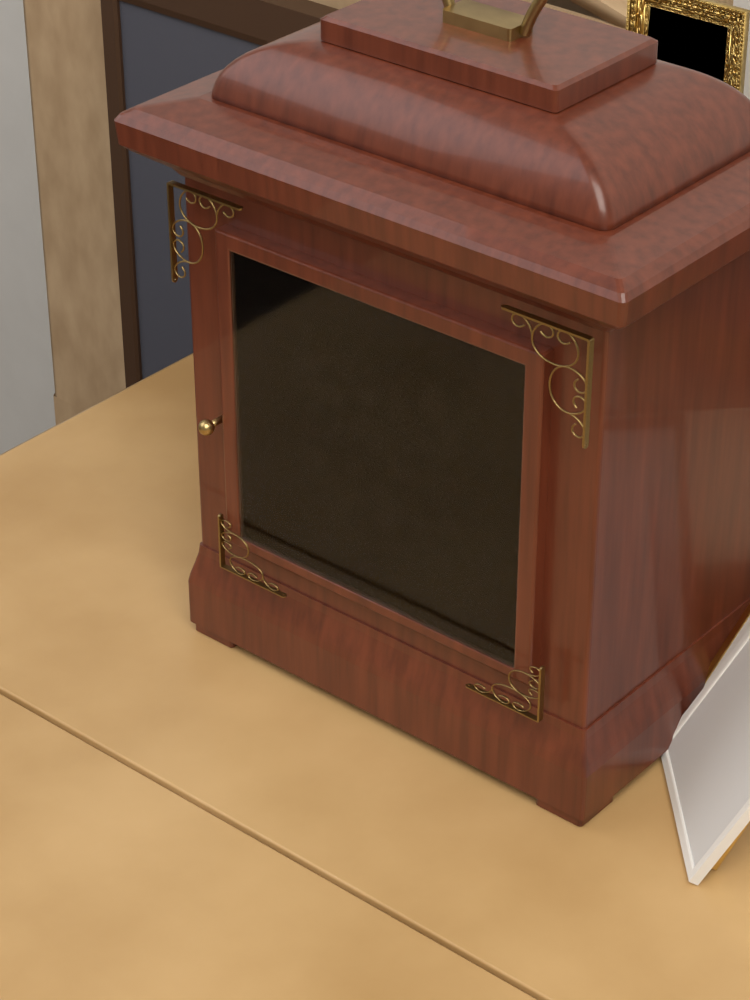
**11:28**
